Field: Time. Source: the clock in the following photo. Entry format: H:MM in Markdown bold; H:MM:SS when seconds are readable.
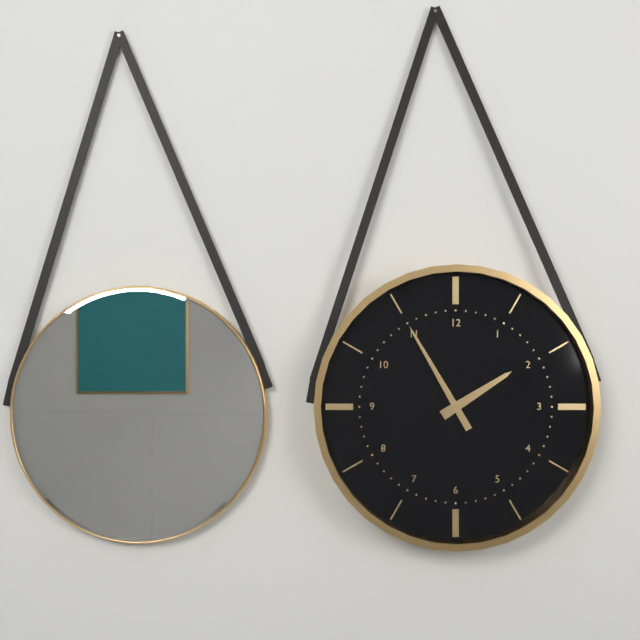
**1:55**
